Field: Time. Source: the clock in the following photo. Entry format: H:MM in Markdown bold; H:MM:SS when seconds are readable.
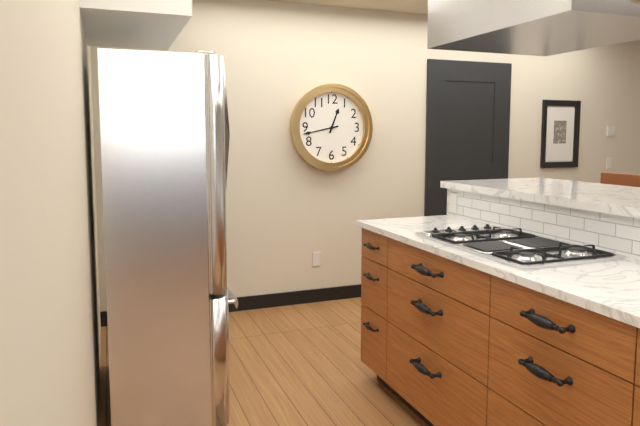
**12:43**
